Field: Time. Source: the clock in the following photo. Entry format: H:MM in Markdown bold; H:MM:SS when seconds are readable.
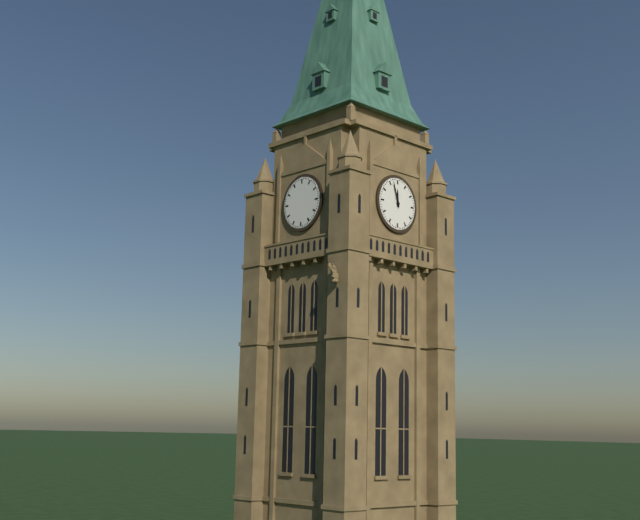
**11:57**
